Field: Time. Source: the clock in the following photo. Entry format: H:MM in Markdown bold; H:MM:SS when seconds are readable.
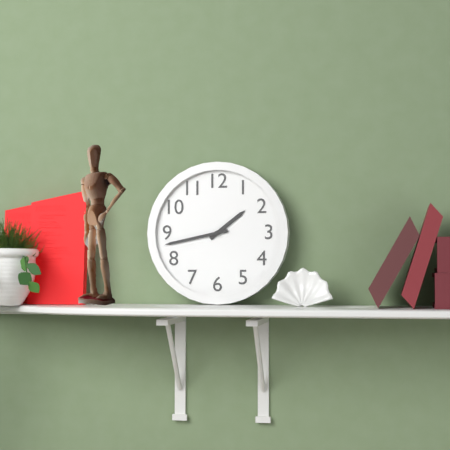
**1:43**
